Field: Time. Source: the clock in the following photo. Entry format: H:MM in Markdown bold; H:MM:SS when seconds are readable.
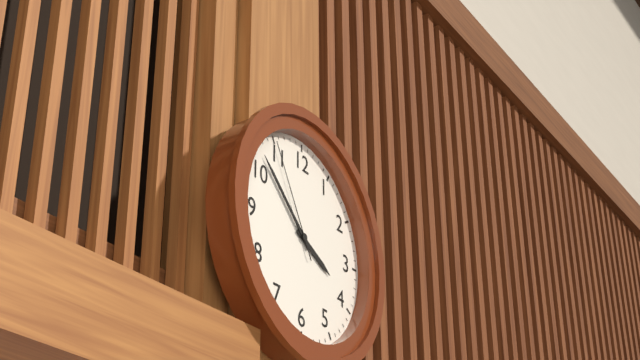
**3:52:55**
